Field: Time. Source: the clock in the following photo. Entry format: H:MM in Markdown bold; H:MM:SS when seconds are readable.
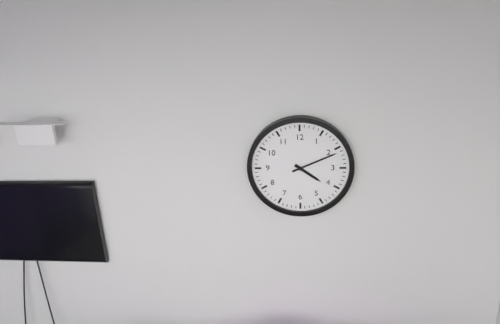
**4:11**
